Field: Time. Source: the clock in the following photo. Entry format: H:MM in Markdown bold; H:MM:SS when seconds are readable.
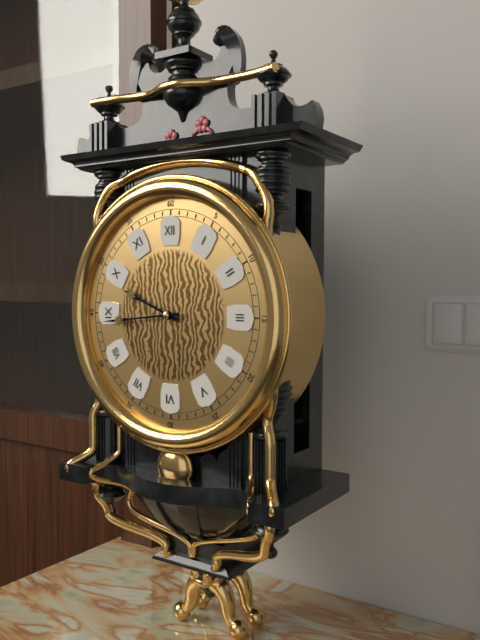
**9:44**
